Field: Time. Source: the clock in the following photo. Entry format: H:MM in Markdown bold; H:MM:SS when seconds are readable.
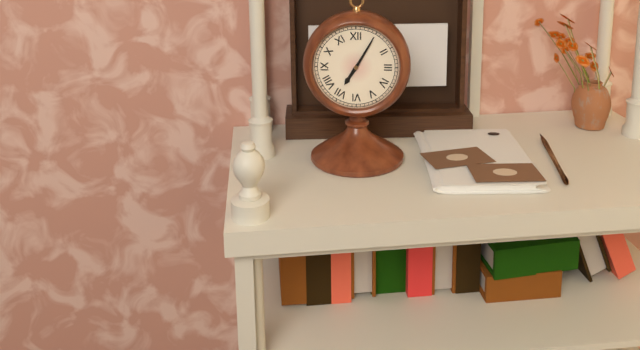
**7:05**
